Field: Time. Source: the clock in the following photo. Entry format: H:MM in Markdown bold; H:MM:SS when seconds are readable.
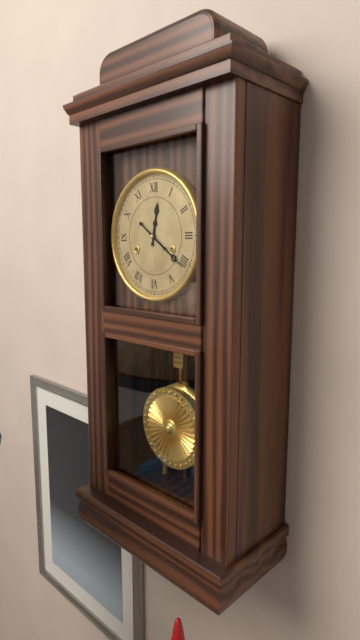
**12:21**
